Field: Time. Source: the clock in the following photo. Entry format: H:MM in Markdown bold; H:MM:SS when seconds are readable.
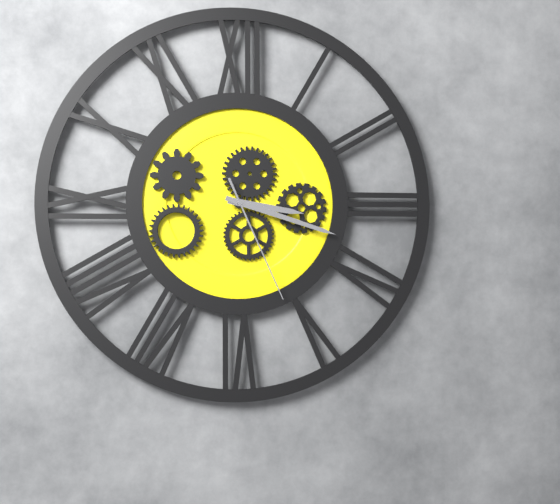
**3:18:26**
